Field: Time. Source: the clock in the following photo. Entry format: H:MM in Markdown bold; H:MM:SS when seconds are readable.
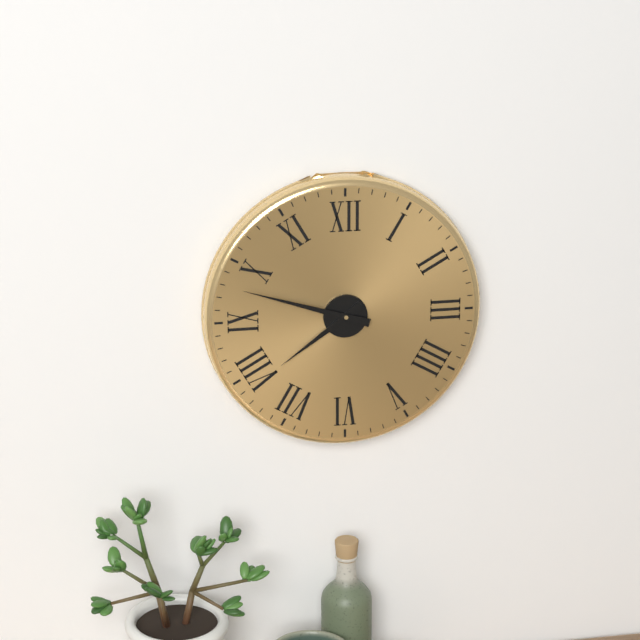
**7:48**
